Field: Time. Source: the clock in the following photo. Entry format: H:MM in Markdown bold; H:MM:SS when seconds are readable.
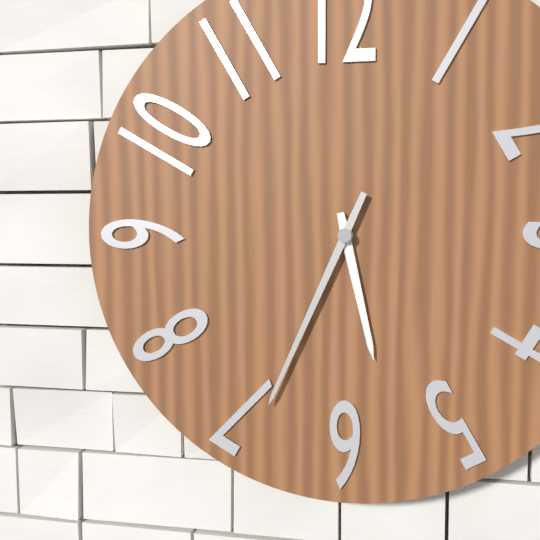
**5:34**
